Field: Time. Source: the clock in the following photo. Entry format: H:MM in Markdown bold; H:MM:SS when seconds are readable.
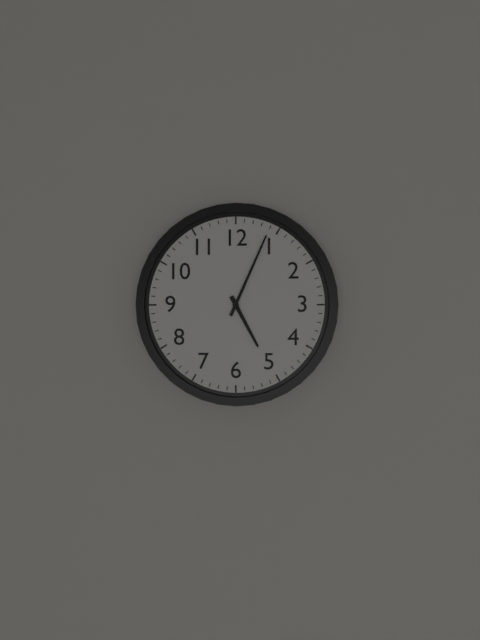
**5:04**
